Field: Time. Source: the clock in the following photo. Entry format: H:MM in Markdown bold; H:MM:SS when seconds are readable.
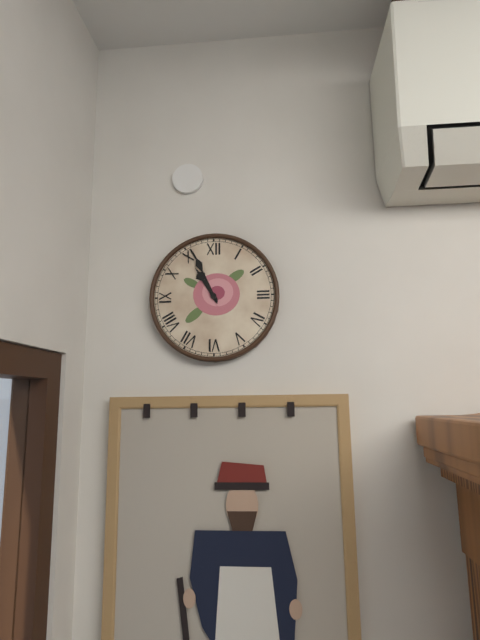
**10:56**
